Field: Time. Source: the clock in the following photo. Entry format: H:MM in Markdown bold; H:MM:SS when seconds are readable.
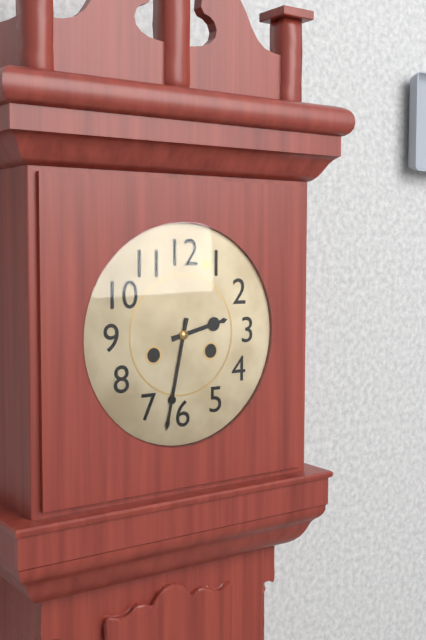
**2:32**
